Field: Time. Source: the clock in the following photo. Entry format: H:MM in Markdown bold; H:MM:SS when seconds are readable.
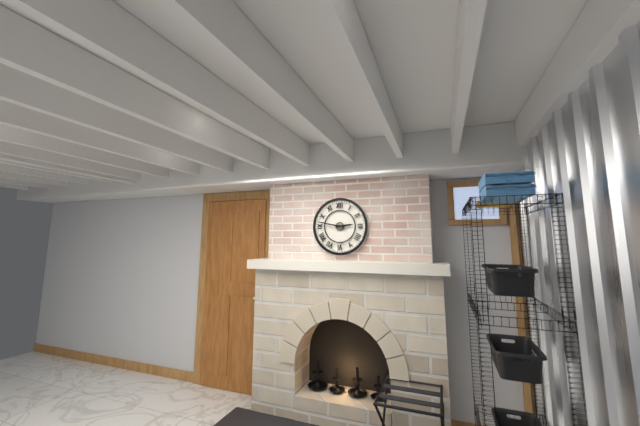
**2:47**
